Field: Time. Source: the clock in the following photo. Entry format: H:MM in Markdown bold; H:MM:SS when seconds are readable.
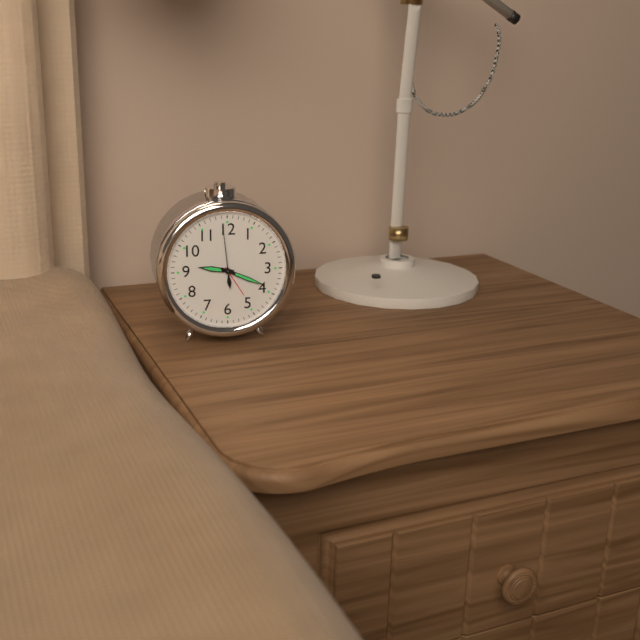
**9:19:59**
